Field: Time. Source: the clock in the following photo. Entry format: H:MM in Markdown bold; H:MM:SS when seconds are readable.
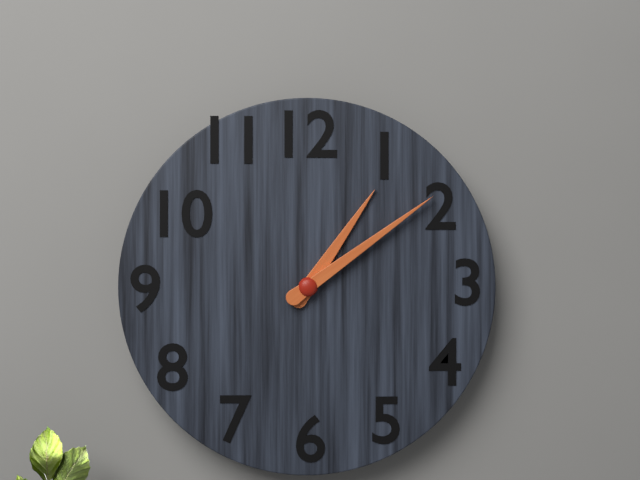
**1:09**
